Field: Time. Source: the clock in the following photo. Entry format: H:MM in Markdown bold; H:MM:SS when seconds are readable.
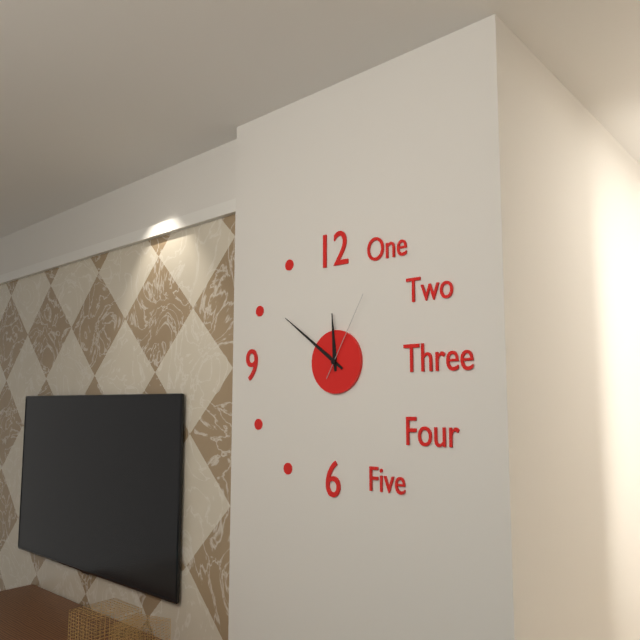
**11:51:05**
